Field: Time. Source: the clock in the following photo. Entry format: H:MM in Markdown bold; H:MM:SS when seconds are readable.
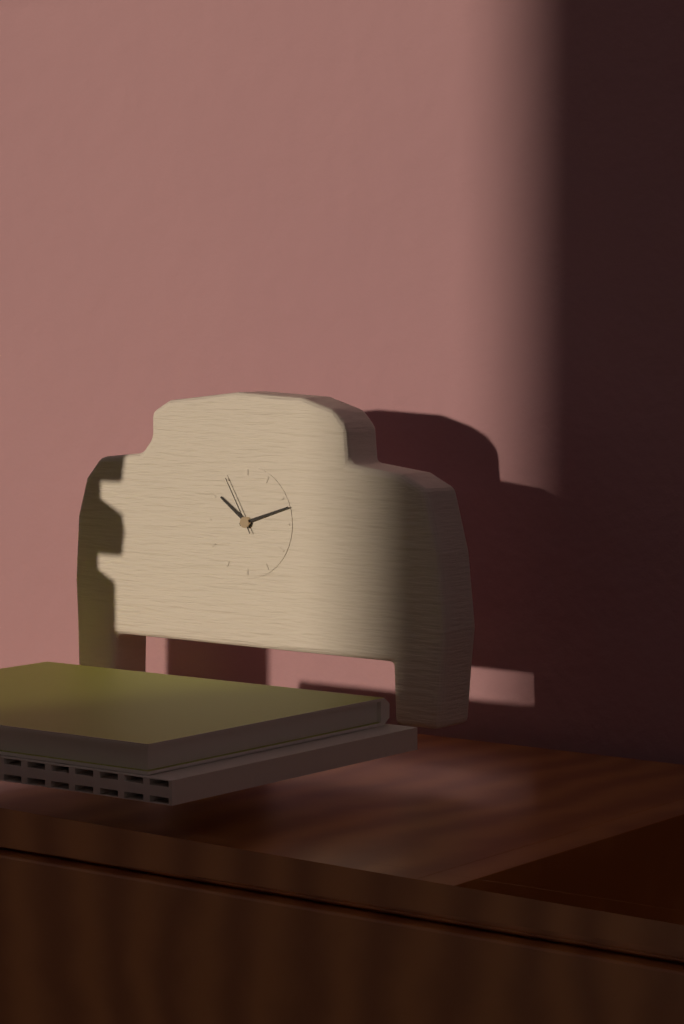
**10:12:55**
